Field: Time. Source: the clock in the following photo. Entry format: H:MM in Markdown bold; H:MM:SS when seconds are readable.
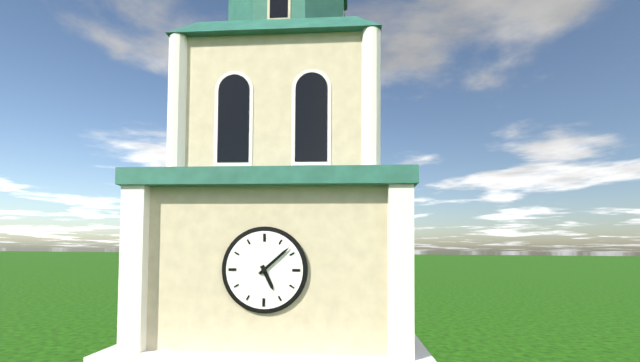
**5:08**
